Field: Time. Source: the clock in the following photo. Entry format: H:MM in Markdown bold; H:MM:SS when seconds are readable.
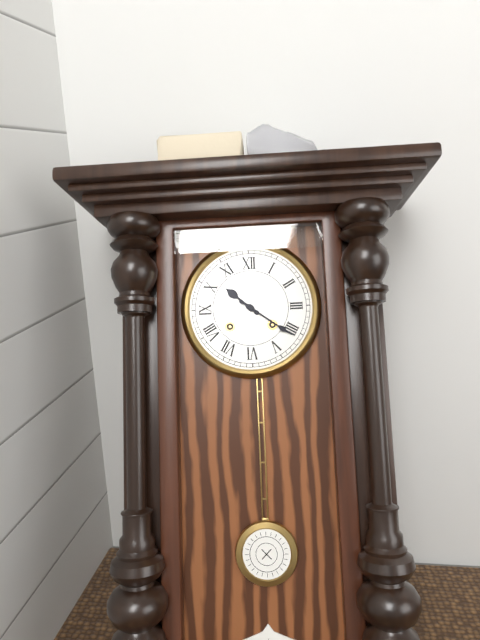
**10:21**
